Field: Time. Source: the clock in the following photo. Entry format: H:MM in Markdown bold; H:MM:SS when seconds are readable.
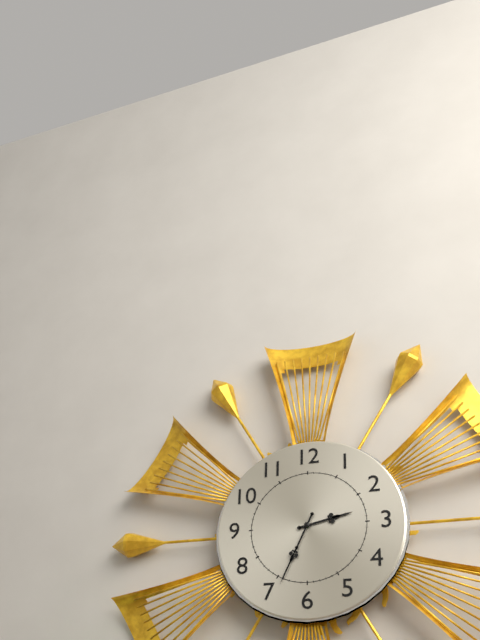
**2:34**
